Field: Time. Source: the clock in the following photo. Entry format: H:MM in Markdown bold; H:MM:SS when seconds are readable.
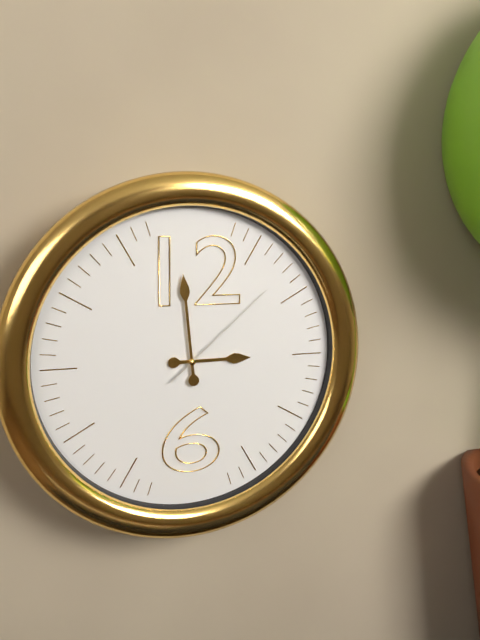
**2:59:08**
